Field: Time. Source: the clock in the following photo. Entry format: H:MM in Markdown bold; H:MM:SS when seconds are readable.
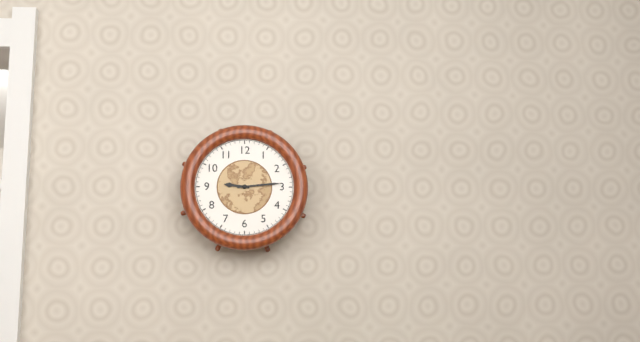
**9:14**
